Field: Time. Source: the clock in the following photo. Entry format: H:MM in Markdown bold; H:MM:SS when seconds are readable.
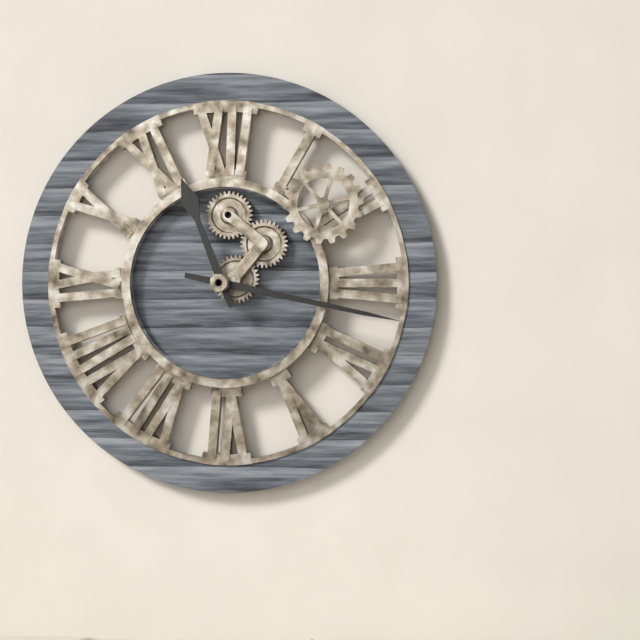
**11:17**
